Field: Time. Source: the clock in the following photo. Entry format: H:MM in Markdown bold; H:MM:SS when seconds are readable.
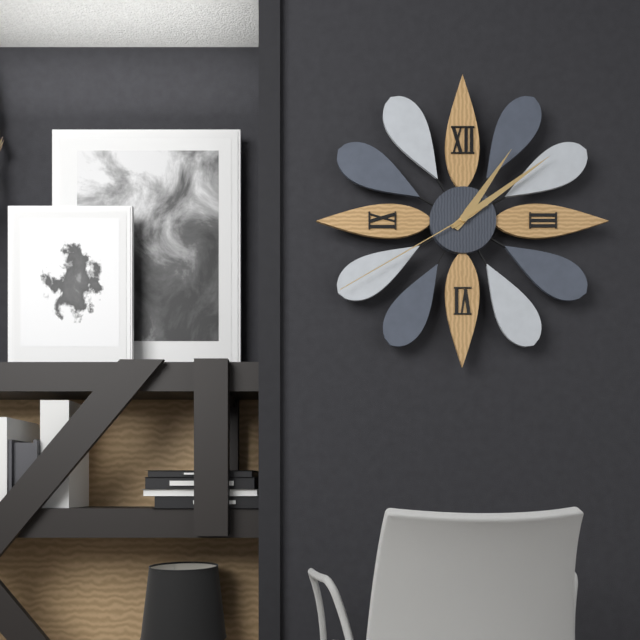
**1:09:40**
